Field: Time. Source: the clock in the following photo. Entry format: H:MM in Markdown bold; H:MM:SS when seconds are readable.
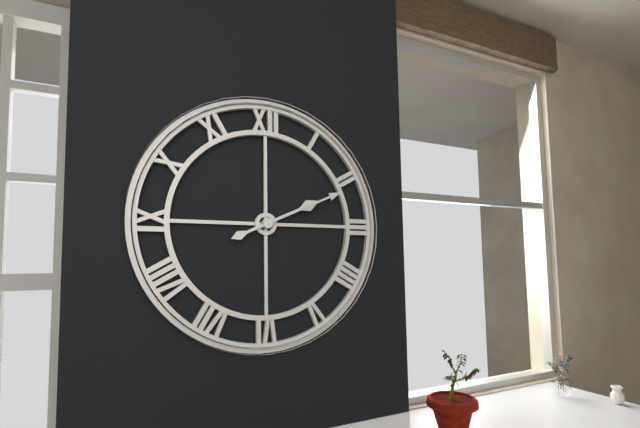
**2:11**
